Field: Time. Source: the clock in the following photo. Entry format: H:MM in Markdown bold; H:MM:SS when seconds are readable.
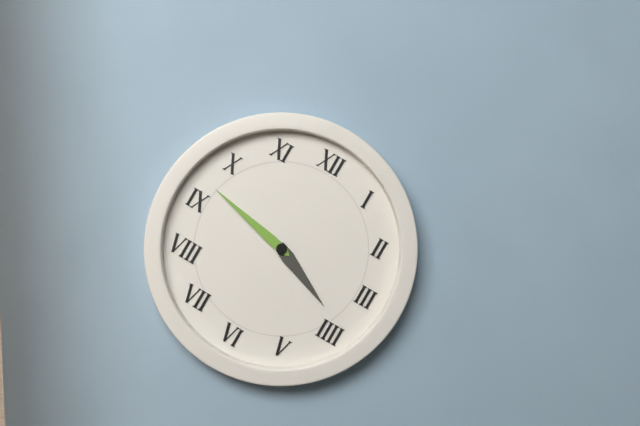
**3:47**
